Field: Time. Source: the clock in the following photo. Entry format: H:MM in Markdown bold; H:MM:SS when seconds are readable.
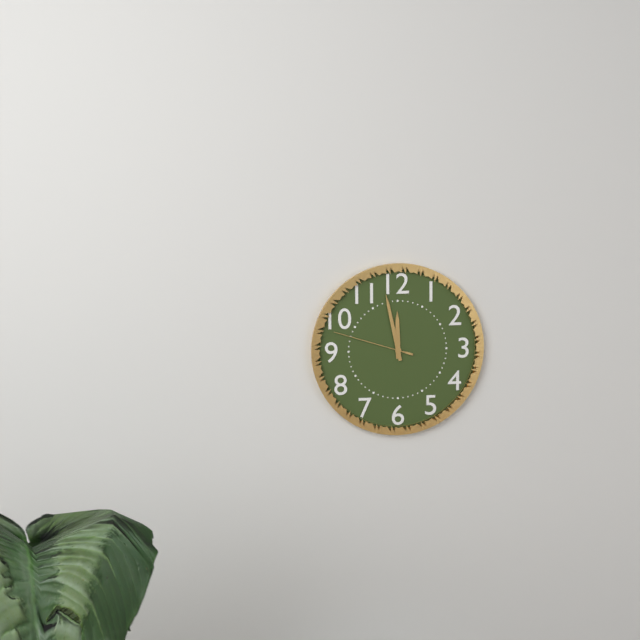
**11:58:48**
